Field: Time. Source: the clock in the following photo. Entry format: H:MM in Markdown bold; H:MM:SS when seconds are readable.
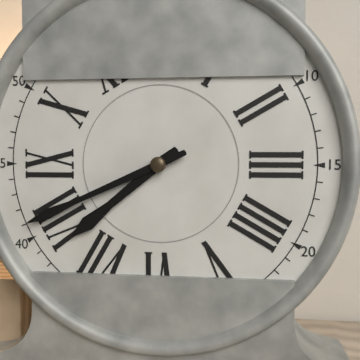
**7:41**
